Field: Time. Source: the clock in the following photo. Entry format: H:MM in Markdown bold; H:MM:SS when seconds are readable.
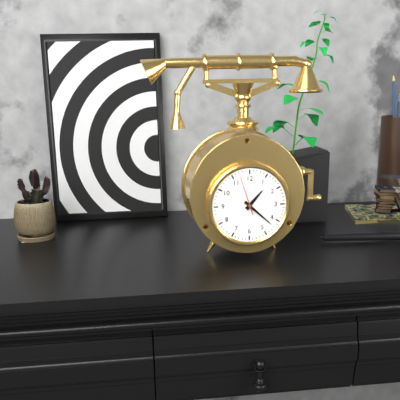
**1:22**
